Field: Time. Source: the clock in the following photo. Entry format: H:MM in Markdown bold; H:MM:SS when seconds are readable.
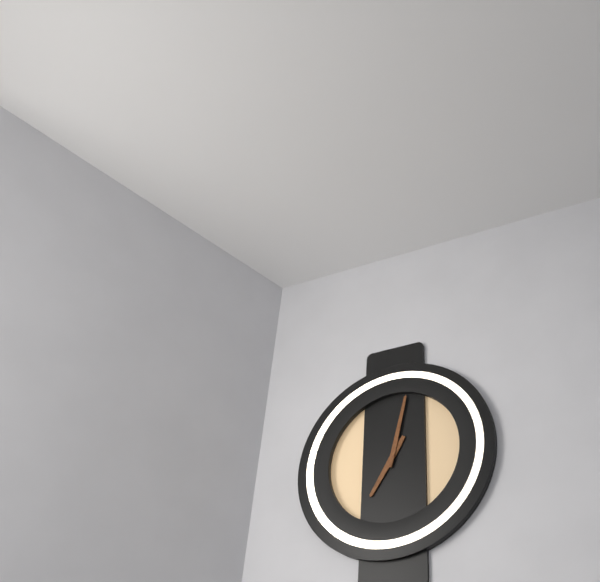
**7:02**
